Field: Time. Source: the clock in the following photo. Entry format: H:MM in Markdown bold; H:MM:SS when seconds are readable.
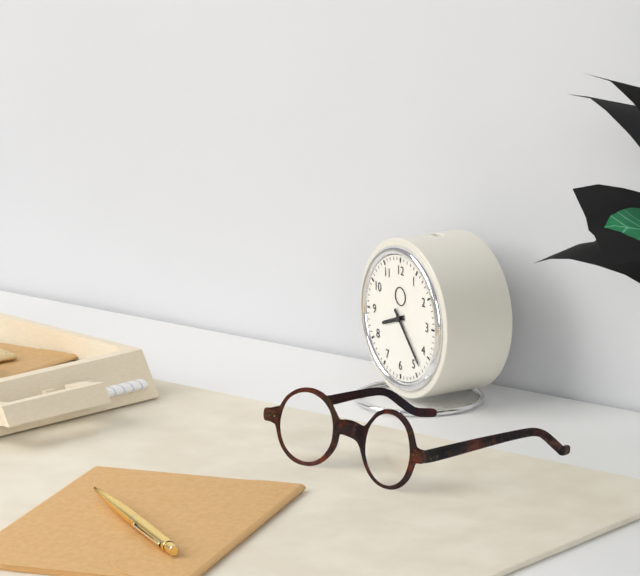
**8:23**
